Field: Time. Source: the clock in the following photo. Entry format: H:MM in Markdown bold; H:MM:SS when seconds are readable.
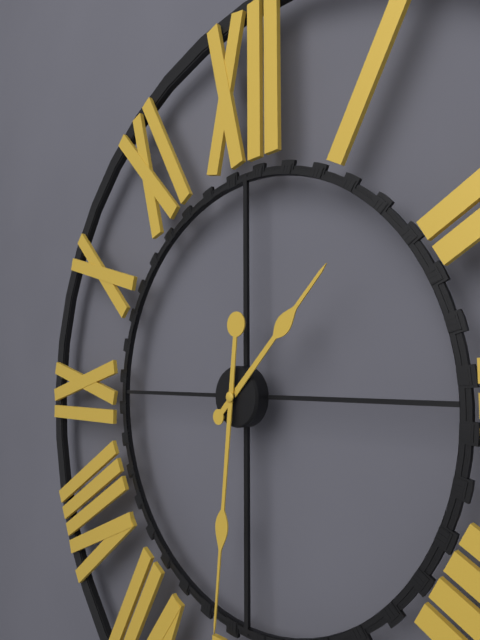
**1:31**
